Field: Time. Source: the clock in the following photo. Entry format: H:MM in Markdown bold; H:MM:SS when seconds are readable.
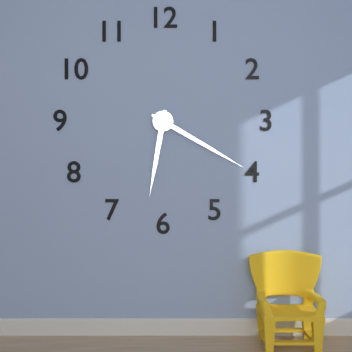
**6:20**
